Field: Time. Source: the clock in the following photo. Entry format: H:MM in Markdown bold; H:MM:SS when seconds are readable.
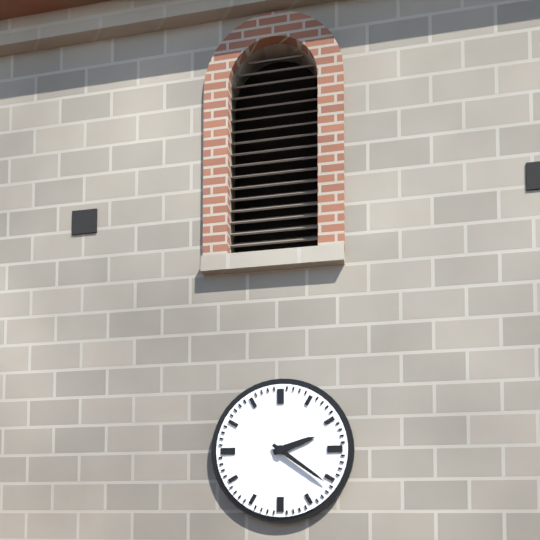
**2:21**
